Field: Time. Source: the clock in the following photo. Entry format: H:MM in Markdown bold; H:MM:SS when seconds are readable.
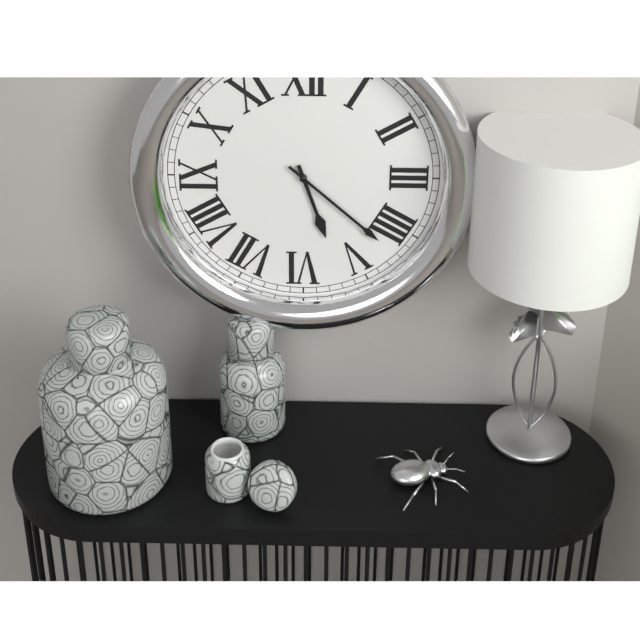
**5:22**
